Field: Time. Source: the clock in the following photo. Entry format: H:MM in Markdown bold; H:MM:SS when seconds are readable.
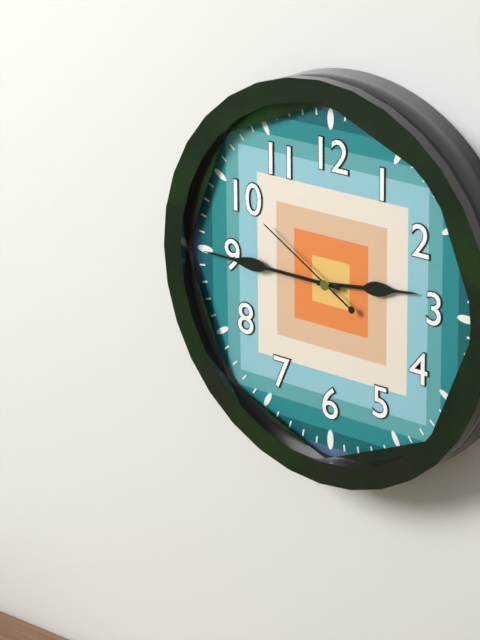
**2:45:50**
